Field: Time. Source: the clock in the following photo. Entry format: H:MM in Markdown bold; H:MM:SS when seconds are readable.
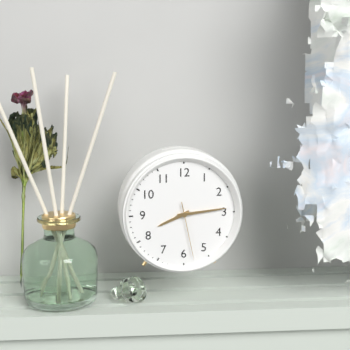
**8:14:28**
